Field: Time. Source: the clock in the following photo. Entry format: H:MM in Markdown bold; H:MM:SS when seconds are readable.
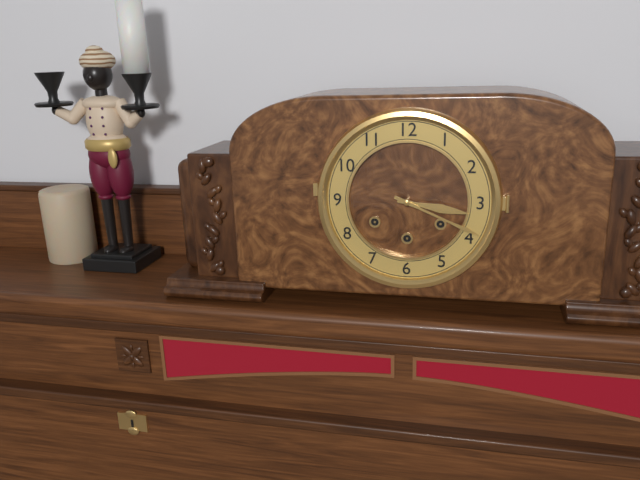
**3:19**
